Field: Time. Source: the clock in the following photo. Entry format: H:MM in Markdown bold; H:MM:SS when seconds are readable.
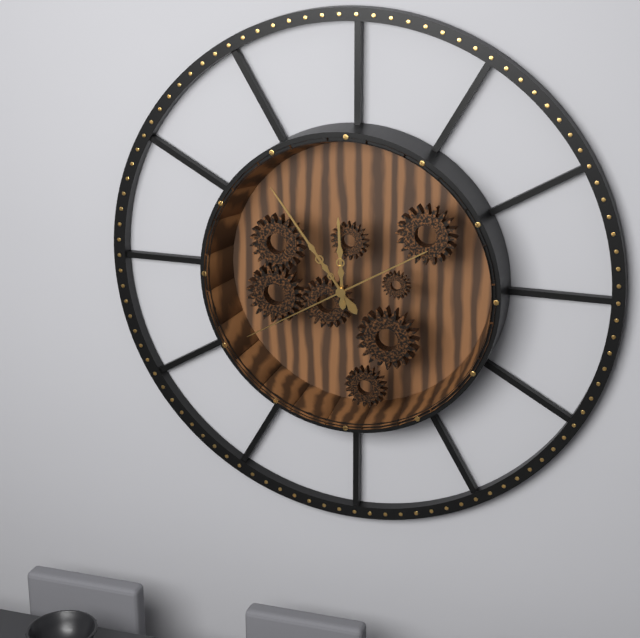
**11:54:40**
